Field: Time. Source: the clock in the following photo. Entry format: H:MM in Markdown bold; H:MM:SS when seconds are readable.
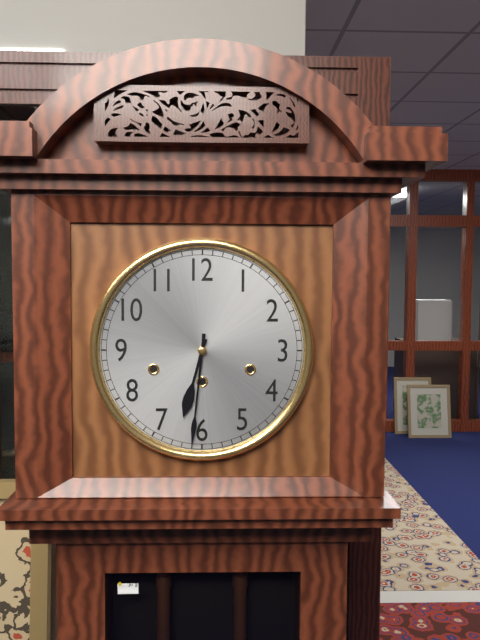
**6:31**
